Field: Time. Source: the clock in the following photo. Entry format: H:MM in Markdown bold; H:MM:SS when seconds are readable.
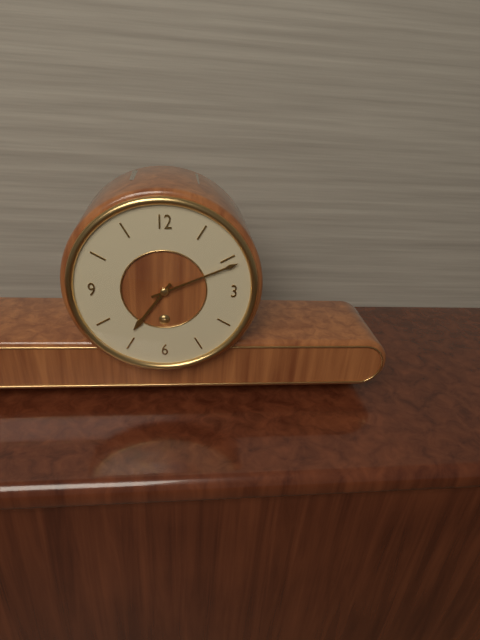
**7:11**
